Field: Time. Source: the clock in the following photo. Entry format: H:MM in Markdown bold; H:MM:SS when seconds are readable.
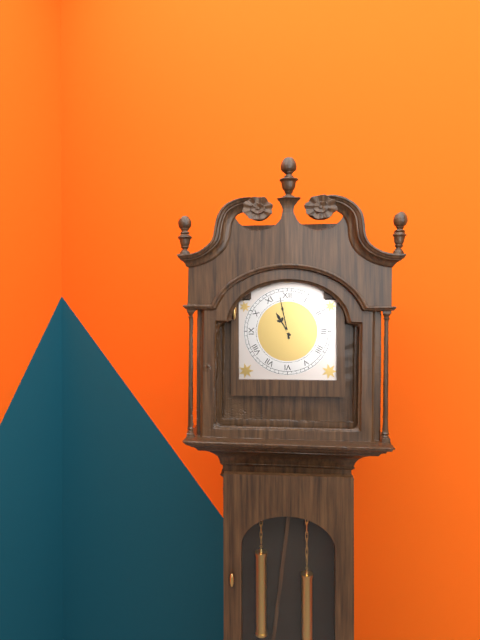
**10:58**
